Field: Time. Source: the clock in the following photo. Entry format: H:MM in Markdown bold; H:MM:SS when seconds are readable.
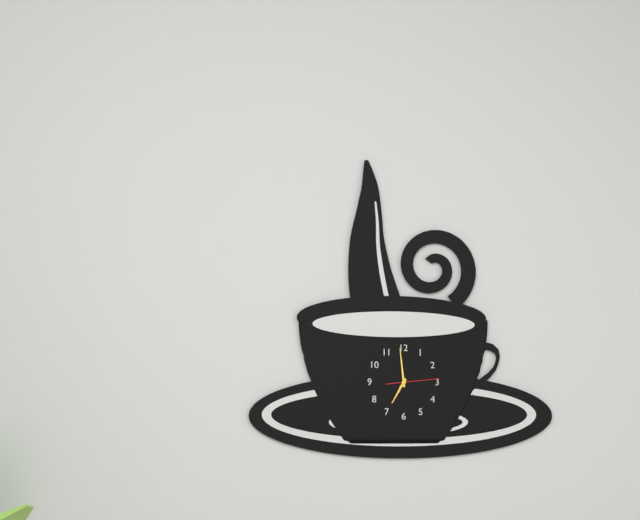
**6:59**
